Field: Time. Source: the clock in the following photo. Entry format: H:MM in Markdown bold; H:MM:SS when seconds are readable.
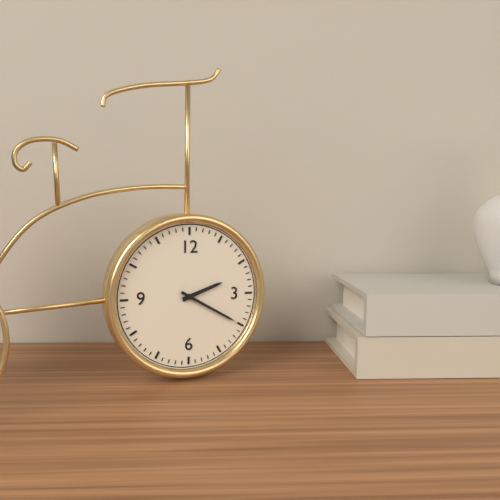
**2:20**
